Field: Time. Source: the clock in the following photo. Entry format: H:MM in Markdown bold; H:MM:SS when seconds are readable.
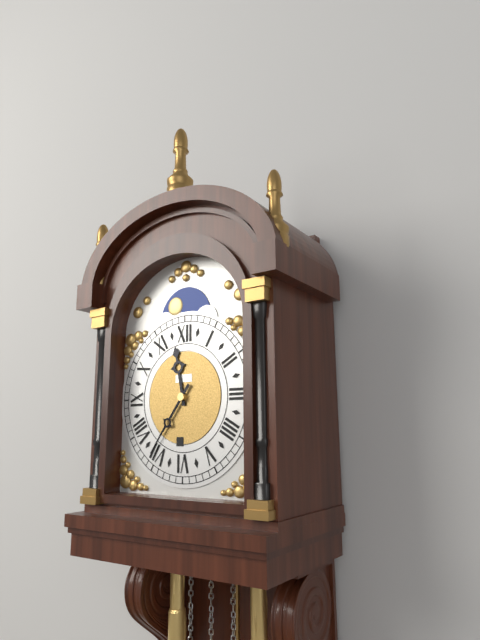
**11:36**
